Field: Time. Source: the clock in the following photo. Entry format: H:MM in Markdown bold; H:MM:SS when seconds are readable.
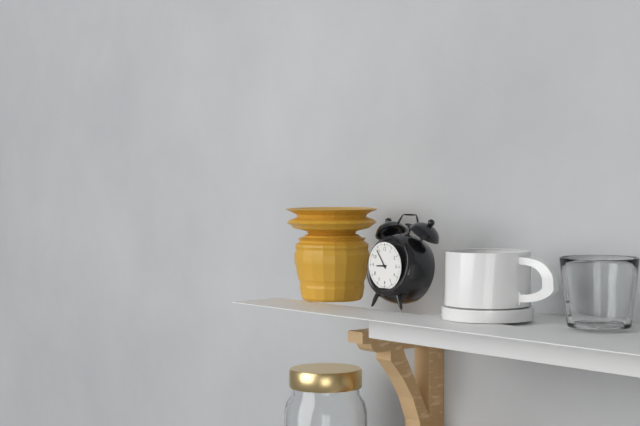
**8:54**
